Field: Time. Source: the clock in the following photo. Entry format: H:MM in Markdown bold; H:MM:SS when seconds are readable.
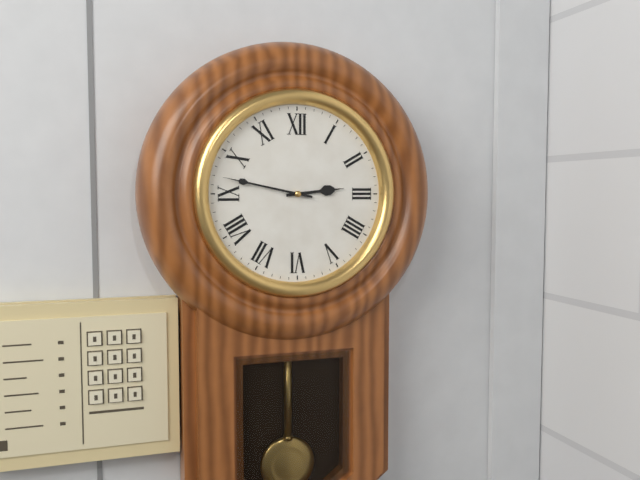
**2:47**
